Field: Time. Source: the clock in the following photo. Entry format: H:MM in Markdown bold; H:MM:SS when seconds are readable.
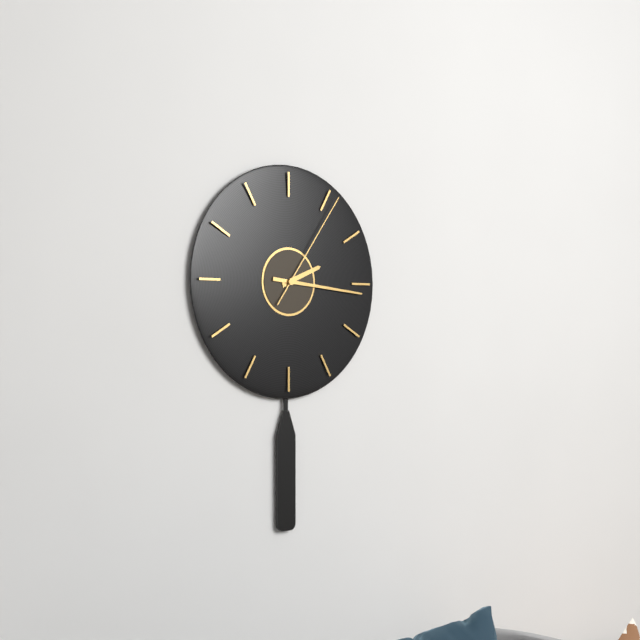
**2:16:06**
